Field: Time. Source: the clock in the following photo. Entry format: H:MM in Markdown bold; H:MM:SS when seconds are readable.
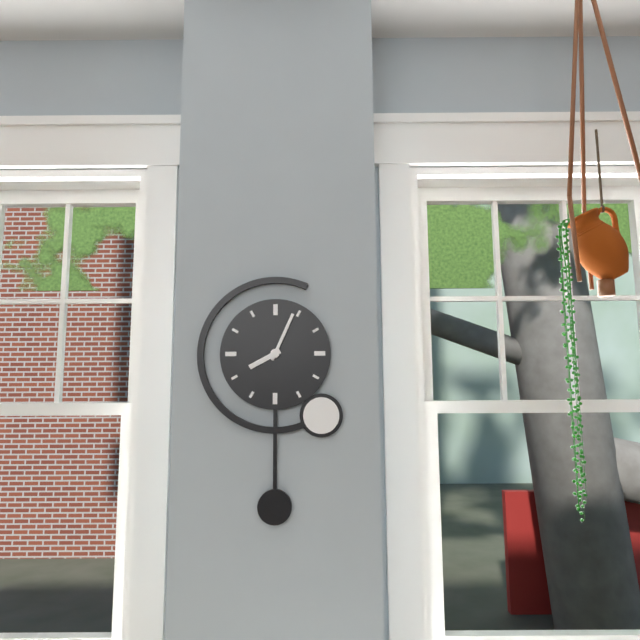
**8:04**
